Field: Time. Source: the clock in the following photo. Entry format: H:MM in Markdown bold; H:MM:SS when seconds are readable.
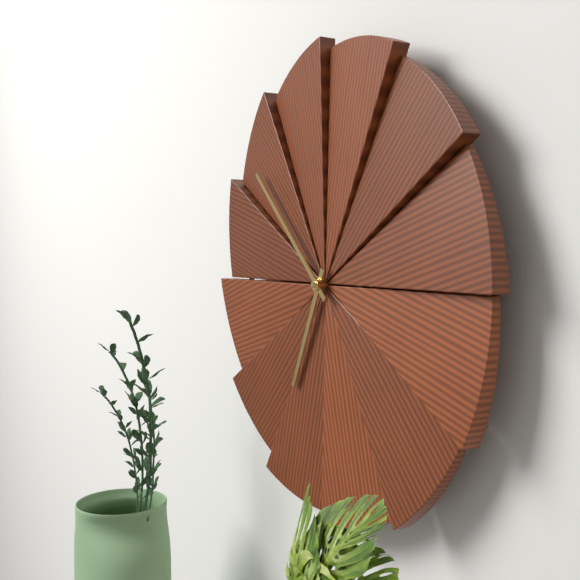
**6:52**
